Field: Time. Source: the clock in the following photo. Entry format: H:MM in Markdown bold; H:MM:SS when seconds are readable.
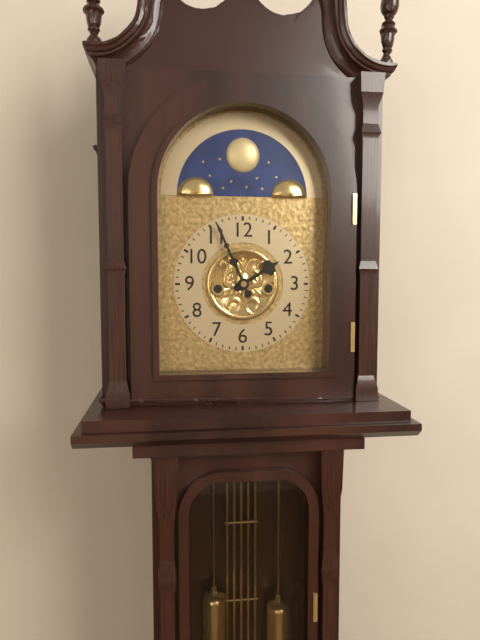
**1:56**
